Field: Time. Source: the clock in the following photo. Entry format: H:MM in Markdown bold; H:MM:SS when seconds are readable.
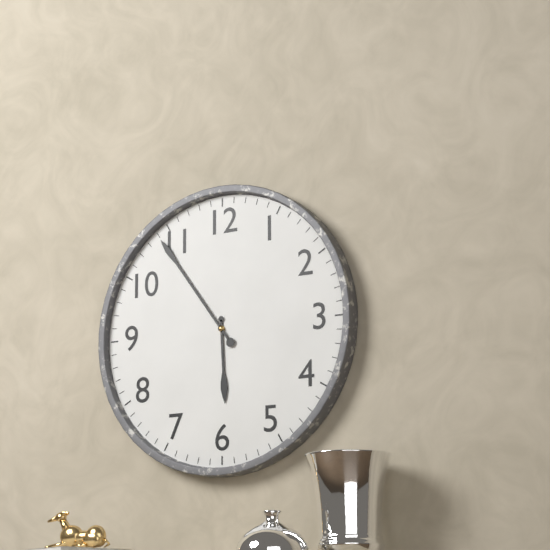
**5:54**
